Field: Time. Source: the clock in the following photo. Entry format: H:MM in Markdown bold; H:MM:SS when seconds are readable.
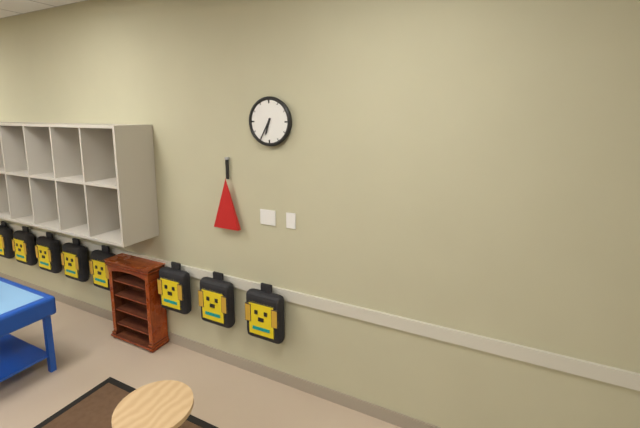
**6:35**
